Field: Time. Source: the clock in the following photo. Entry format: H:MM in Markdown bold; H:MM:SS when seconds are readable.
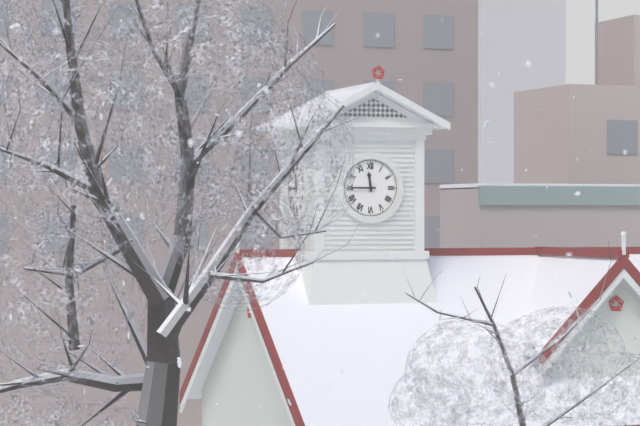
**11:45**
